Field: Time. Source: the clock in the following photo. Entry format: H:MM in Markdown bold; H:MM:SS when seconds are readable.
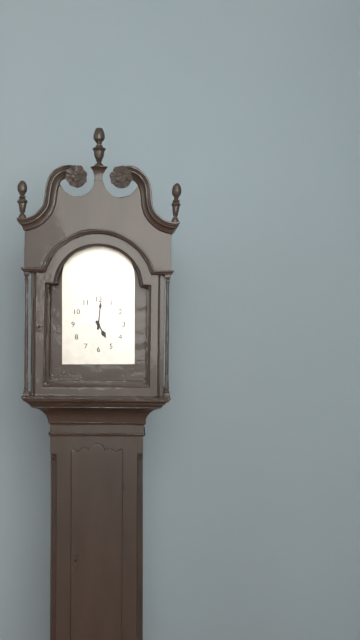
**5:01**
